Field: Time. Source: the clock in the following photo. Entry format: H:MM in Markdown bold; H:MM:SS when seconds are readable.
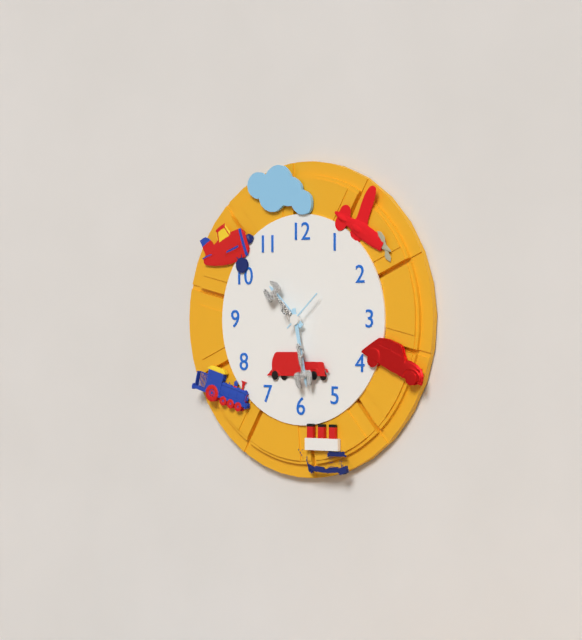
**10:28**
